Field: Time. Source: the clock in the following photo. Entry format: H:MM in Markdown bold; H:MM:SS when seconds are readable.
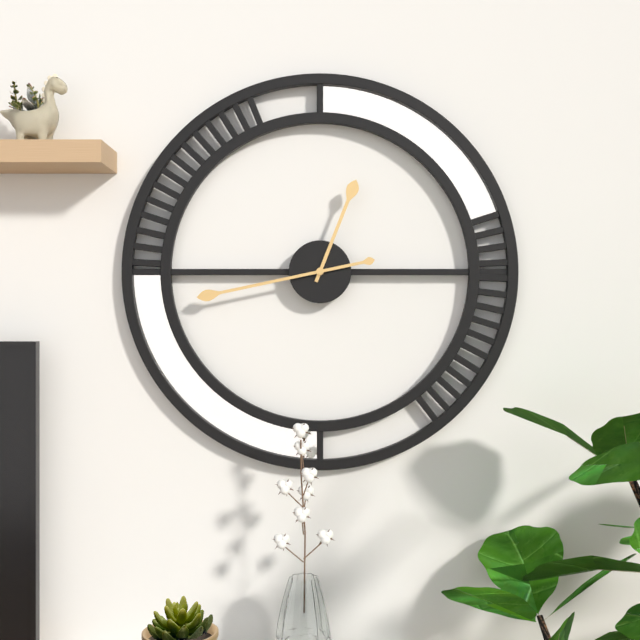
**12:43**
